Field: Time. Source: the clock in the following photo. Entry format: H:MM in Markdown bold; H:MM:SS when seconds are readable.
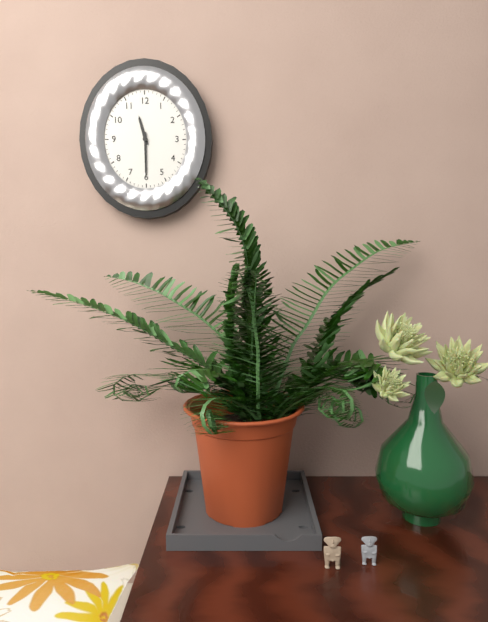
**11:30**
